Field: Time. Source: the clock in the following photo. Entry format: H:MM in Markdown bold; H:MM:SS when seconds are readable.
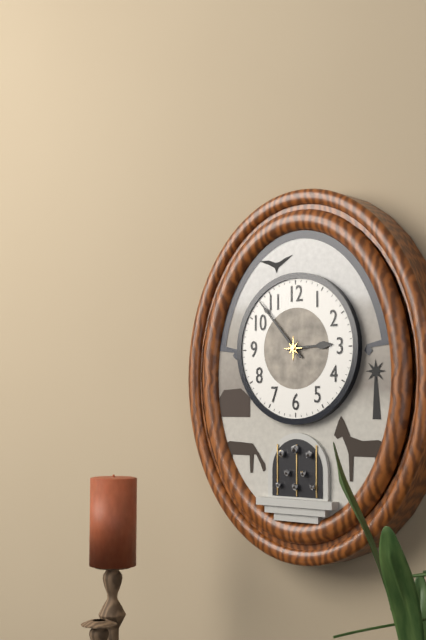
**2:53**
